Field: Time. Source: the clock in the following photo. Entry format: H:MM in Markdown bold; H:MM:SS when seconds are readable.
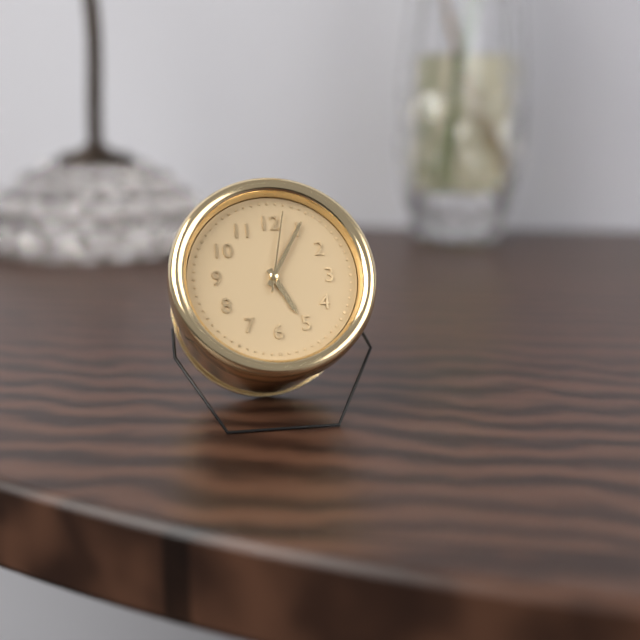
**5:05:02**
